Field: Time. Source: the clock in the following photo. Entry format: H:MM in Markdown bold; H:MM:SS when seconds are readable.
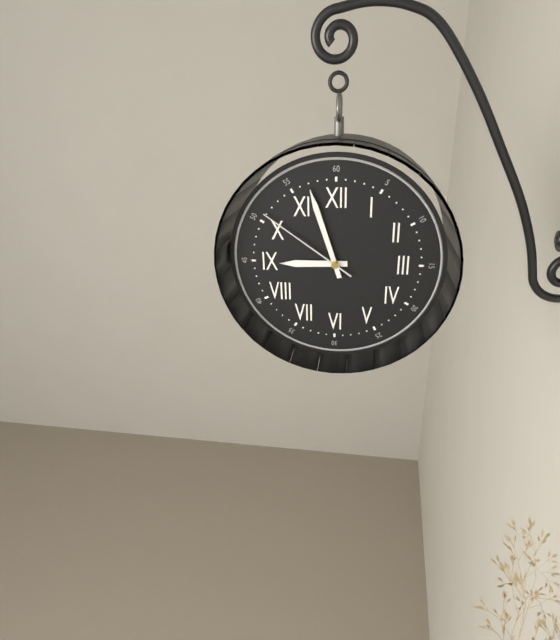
**8:57:51**
